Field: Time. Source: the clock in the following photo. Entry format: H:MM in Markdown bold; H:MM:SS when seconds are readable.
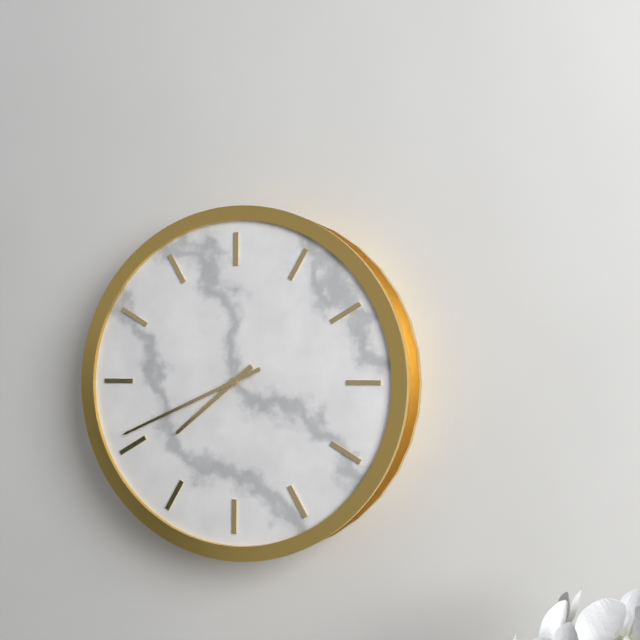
**7:41**
